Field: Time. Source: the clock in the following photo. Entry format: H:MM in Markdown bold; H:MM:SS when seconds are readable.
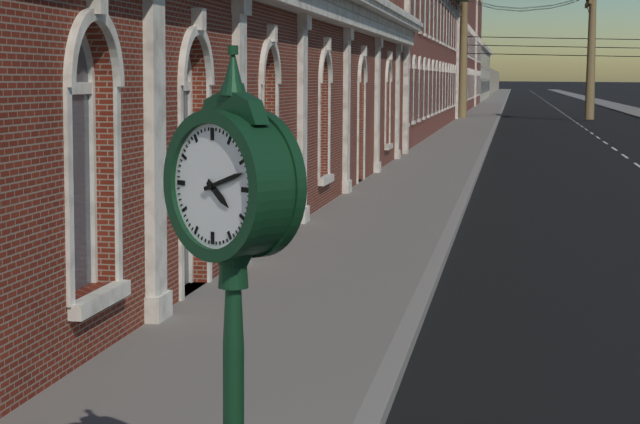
**4:12**
